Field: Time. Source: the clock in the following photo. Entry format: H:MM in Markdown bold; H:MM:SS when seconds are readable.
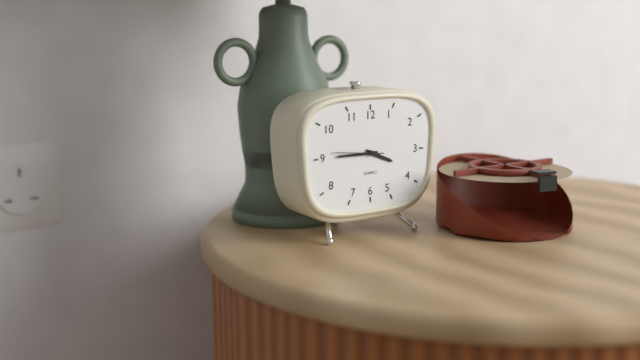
**3:45**
